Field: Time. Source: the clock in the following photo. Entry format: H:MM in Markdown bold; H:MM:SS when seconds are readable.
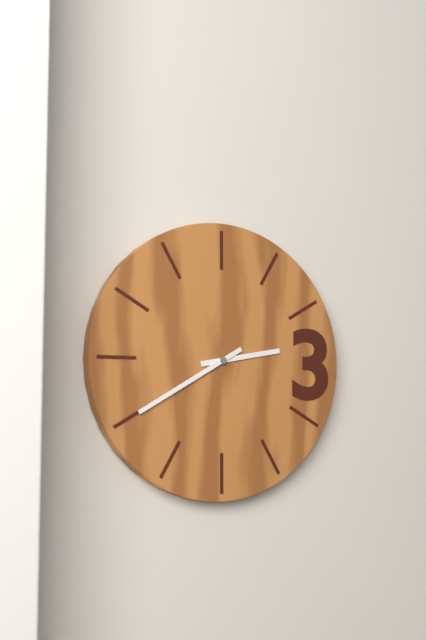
**2:40**
